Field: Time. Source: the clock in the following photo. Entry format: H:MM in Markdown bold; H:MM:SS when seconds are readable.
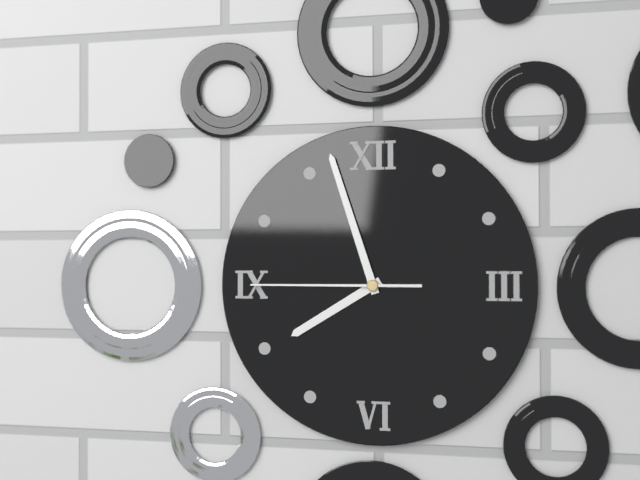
**7:57:45**
